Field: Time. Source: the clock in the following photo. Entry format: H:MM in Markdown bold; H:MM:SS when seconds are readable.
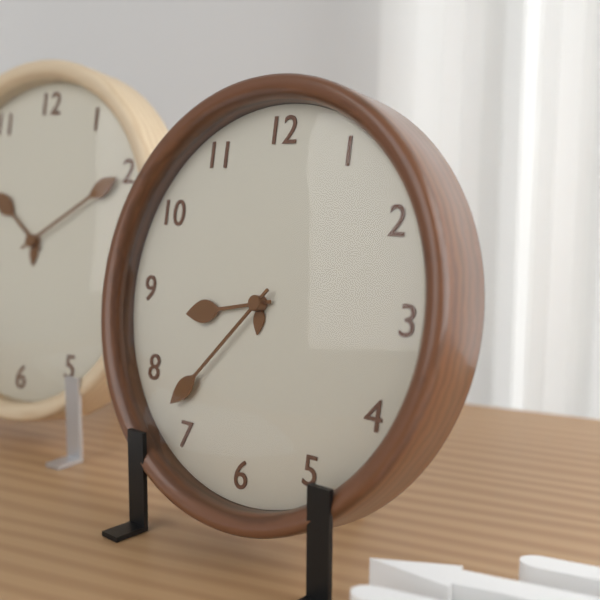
**8:37**
